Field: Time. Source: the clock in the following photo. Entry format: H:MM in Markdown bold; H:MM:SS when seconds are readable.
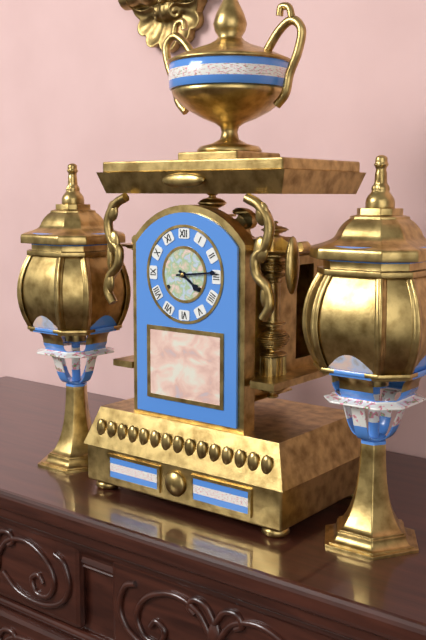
**4:14**
